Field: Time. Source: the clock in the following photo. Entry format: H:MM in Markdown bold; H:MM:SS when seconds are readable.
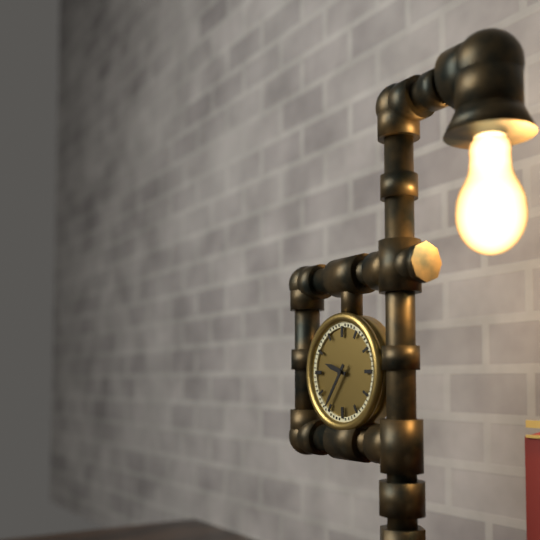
**9:36**
